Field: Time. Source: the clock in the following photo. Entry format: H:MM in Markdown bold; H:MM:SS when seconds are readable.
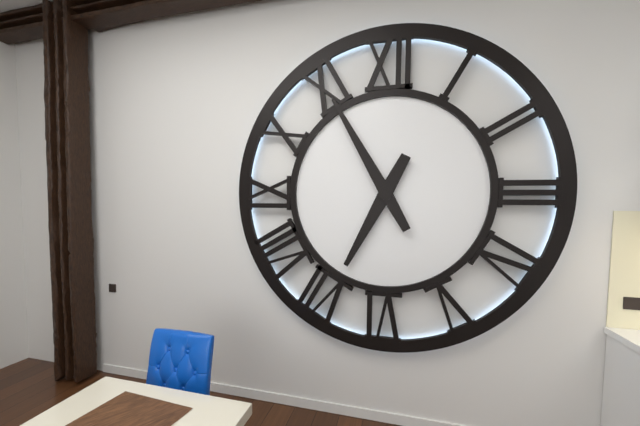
**6:55**
